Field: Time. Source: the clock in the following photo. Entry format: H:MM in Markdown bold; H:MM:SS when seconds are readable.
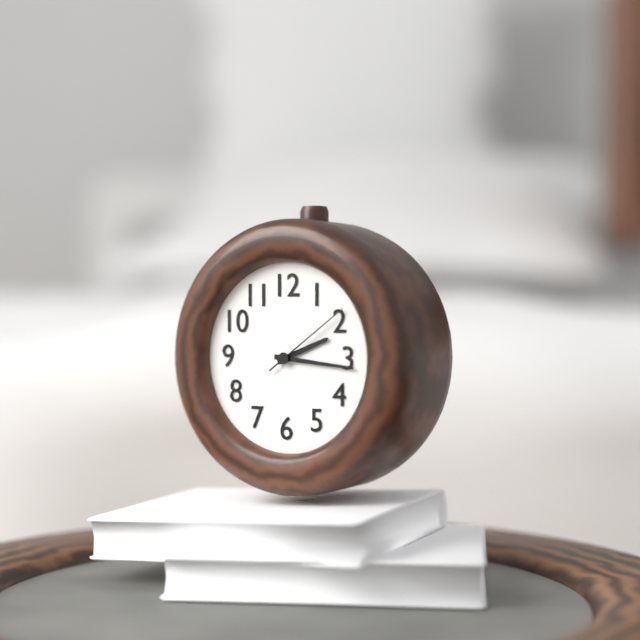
**2:16:09**
